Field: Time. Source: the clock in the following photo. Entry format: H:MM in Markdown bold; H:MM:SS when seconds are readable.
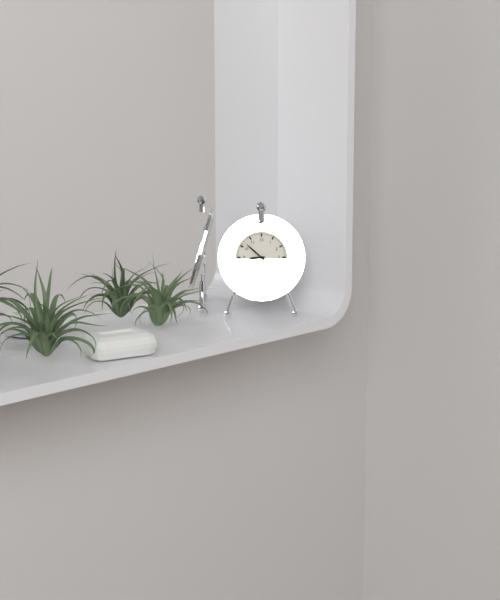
**8:52**
